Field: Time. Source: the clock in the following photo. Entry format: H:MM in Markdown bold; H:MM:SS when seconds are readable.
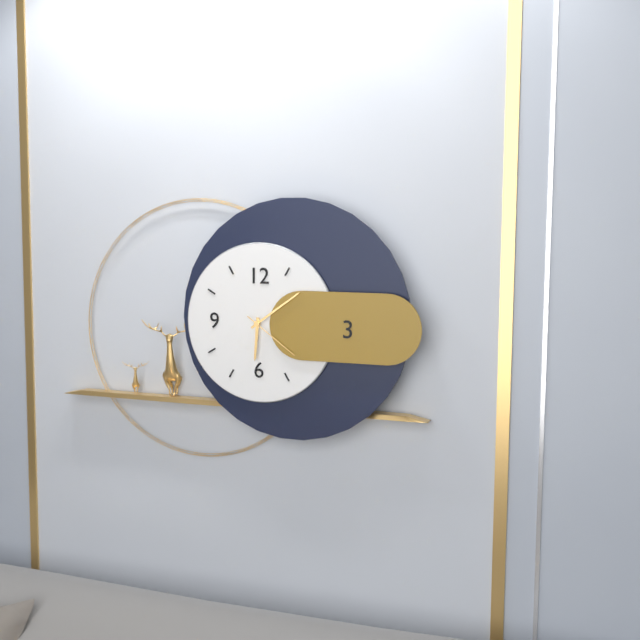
**6:09:21**
